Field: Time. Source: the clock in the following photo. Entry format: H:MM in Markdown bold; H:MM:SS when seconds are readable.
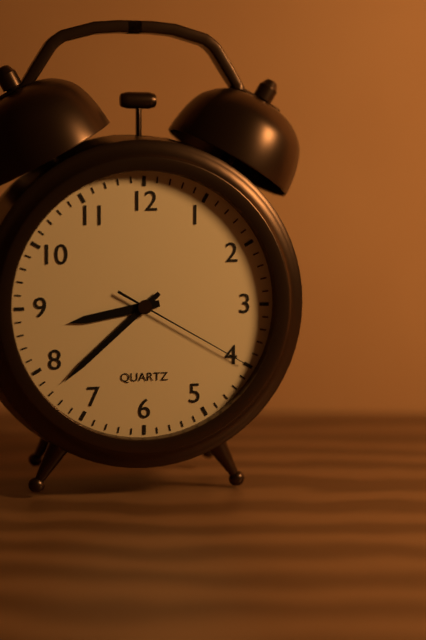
**8:38:20**
